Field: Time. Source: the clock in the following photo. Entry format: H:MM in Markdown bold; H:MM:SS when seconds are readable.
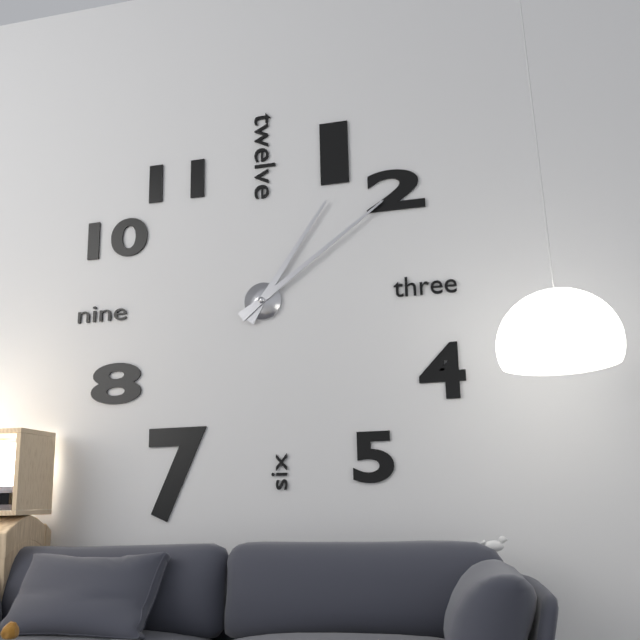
**1:09**
